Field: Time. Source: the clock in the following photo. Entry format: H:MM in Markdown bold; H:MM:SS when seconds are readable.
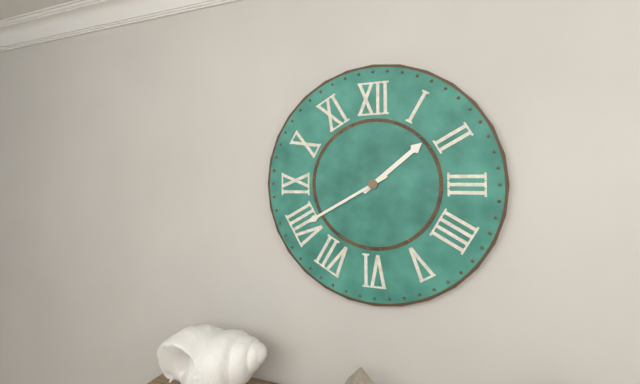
**1:40**
